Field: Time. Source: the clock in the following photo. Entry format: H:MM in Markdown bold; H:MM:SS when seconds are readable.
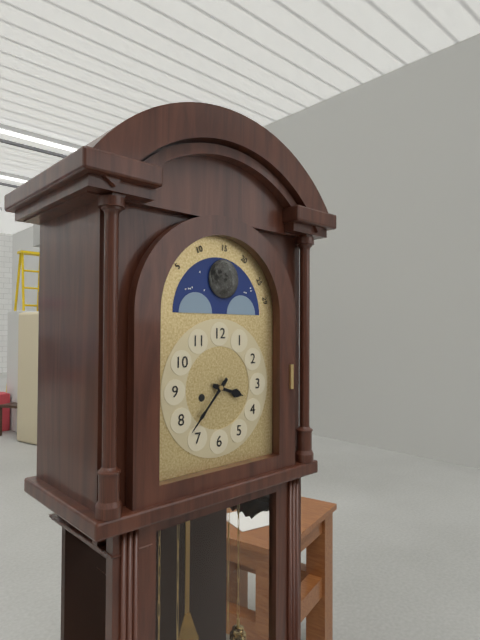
**3:37**
